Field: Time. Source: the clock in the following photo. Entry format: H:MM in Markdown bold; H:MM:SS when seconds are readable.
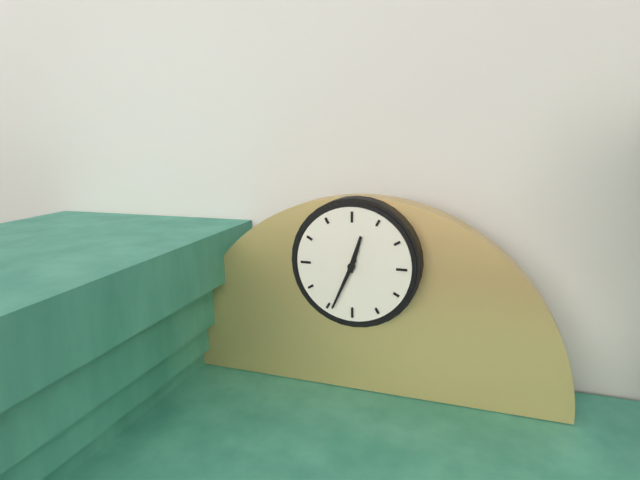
**12:34**
